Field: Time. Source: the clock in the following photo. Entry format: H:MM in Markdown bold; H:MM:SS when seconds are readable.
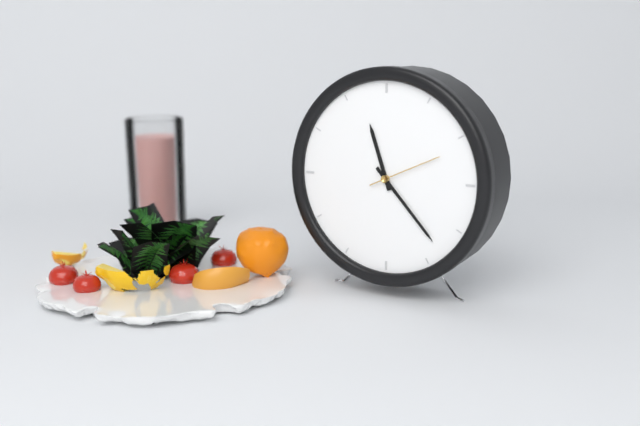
**11:23:11**
